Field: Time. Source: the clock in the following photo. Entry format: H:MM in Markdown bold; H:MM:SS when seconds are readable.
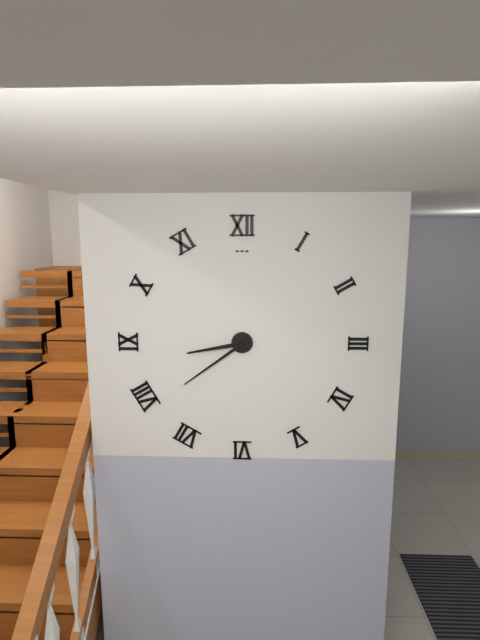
**8:39**
